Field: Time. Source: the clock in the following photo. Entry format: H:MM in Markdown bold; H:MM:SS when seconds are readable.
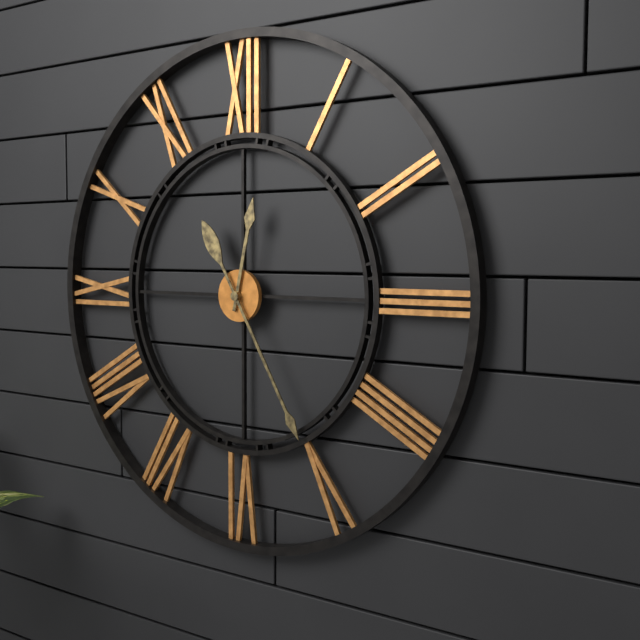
**12:25**
